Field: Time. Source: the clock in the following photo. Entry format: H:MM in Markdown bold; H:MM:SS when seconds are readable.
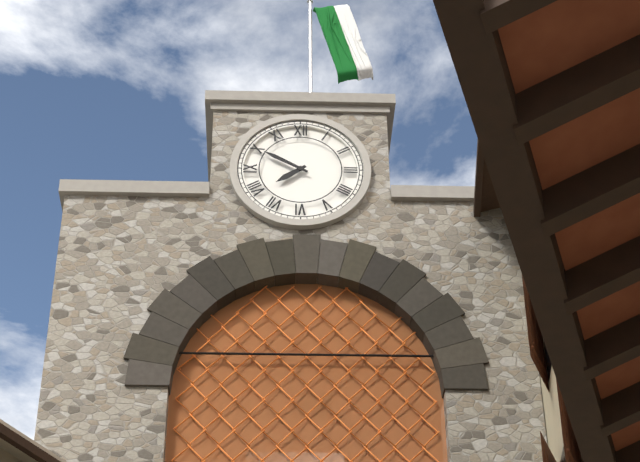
**7:50**
